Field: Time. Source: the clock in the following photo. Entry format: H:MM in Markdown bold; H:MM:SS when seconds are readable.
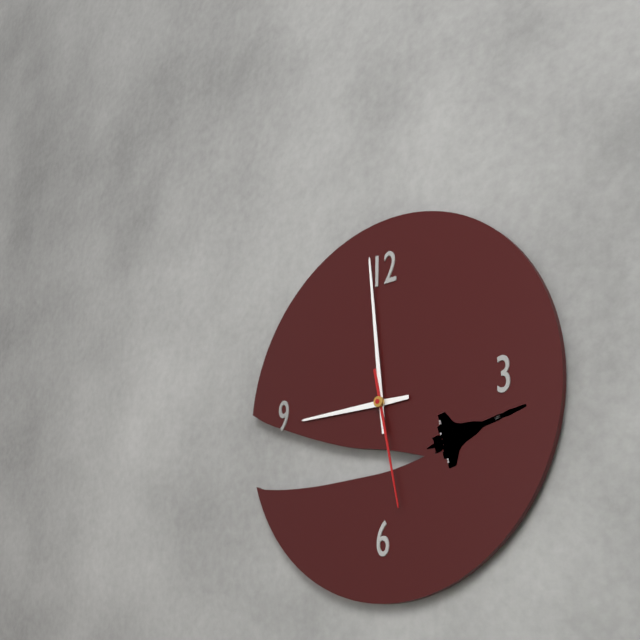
**8:59:28**
